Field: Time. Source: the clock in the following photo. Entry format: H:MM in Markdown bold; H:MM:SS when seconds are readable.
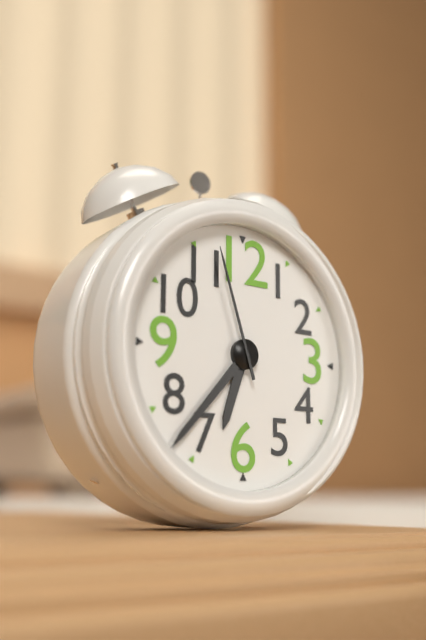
**6:37:57**
